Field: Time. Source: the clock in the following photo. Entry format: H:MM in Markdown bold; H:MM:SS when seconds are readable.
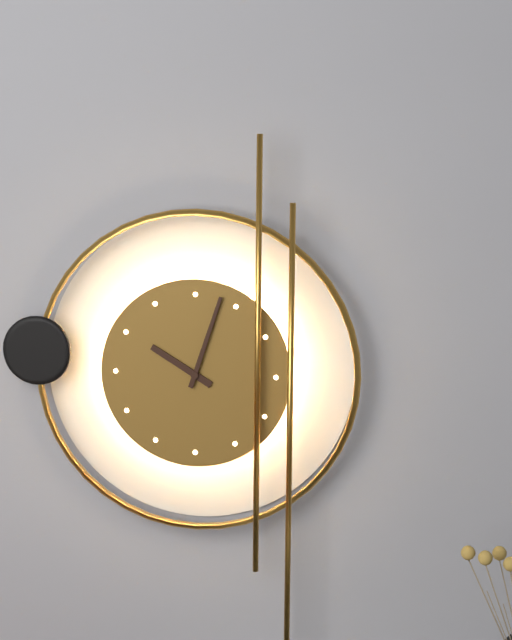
**10:03**
